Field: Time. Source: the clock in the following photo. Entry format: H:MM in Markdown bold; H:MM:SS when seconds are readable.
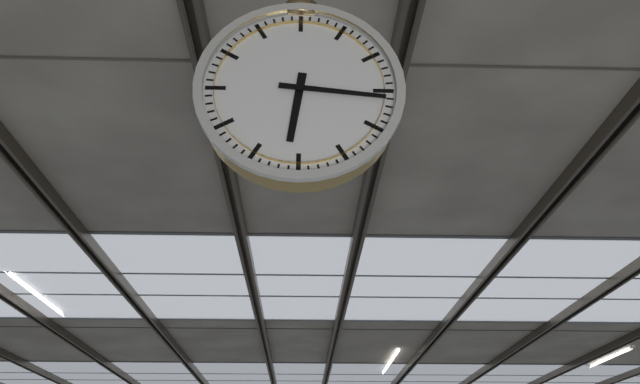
**6:16**
